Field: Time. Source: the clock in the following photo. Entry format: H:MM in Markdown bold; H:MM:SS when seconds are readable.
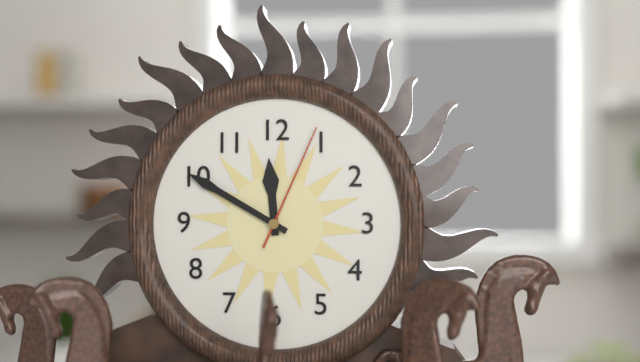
**11:50:04**
